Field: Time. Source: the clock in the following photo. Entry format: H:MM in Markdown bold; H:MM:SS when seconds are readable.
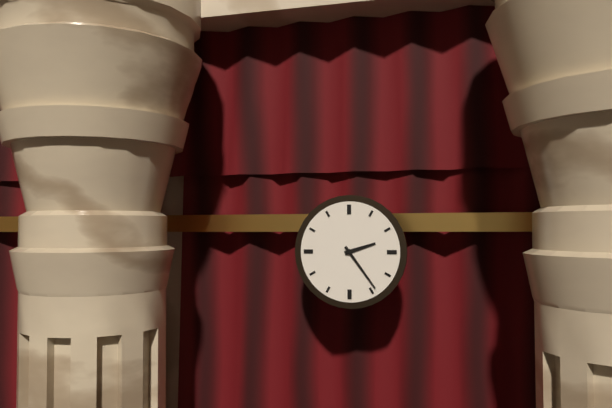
**2:24**
